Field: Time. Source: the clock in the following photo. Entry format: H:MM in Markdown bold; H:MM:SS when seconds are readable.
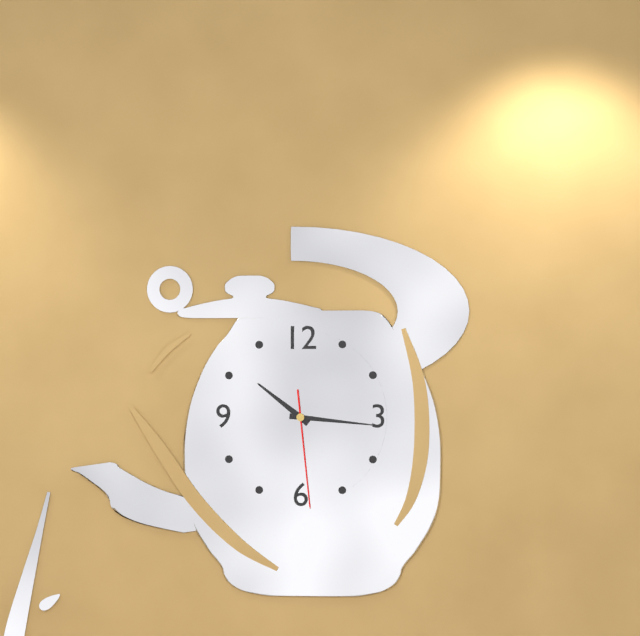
**10:16:29**
